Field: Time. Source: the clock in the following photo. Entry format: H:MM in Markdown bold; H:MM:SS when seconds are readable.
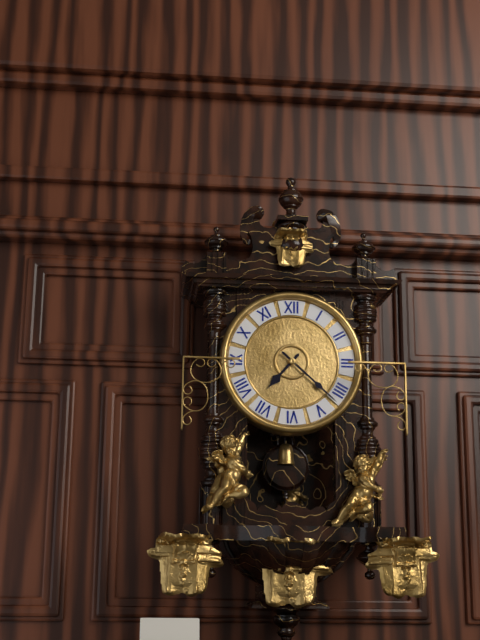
**7:22**
